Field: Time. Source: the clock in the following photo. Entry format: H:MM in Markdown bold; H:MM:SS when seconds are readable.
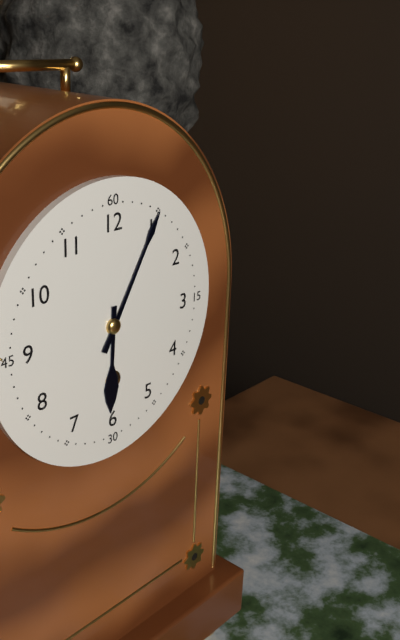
**6:05**
